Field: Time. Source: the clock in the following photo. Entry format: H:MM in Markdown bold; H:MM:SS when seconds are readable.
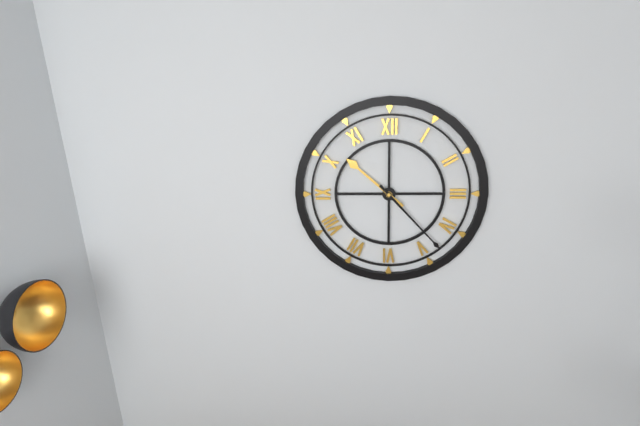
**10:23**
